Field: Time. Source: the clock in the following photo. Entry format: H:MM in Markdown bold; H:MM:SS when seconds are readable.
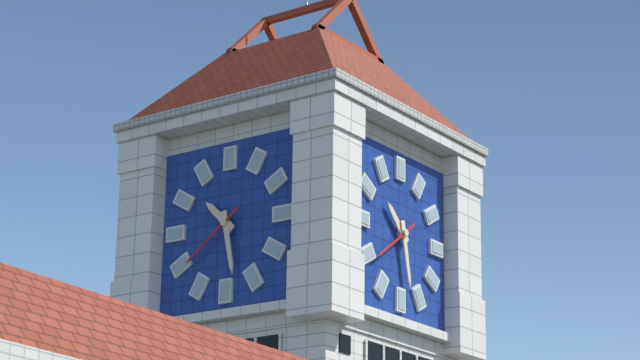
**10:28**
